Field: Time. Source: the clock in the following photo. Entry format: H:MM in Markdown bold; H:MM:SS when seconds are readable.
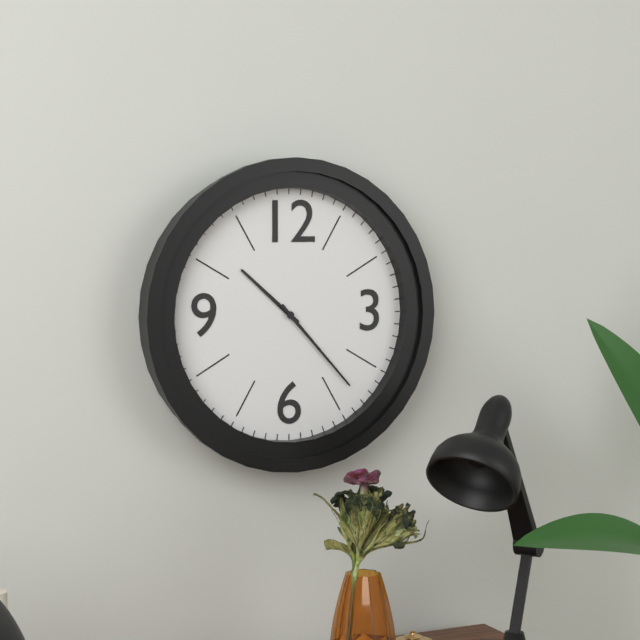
**10:23**
